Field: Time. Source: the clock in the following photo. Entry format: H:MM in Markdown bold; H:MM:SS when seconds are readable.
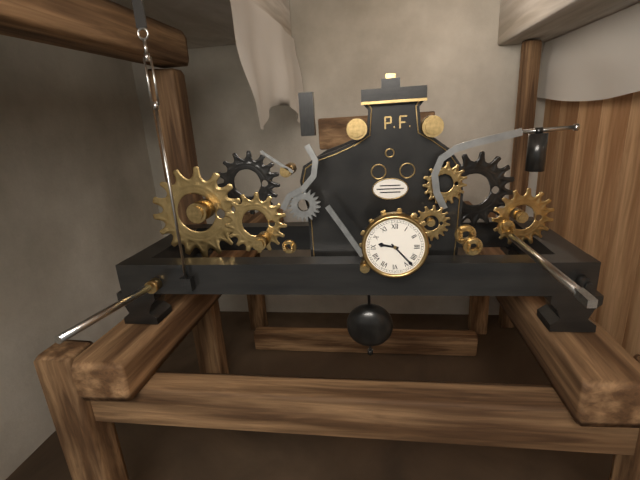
**9:23**
